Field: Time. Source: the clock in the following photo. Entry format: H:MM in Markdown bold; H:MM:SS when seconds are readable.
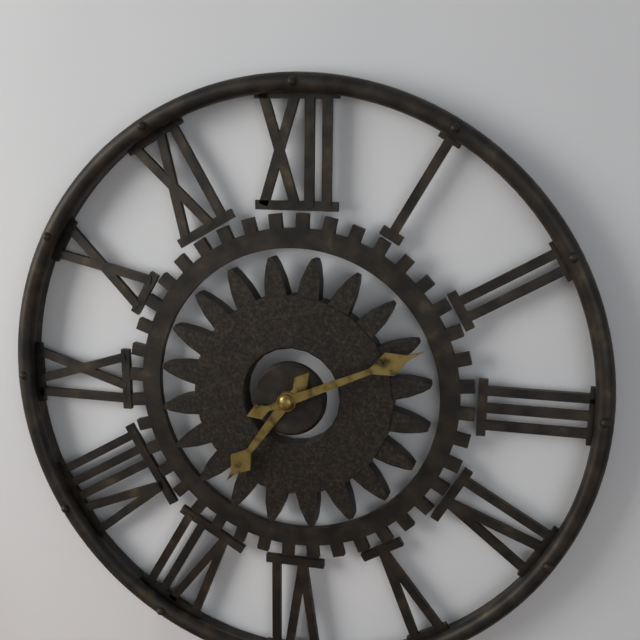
**7:11**
